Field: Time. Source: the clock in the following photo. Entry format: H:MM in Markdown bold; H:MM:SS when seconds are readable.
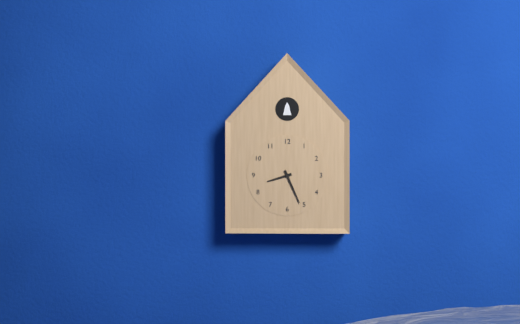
**8:26**
